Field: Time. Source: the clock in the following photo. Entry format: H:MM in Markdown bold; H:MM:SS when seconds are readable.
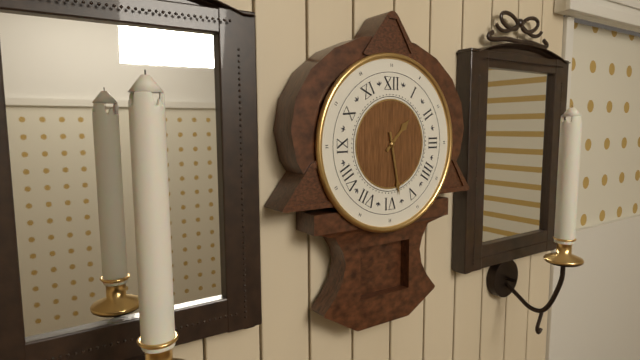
**1:28**
